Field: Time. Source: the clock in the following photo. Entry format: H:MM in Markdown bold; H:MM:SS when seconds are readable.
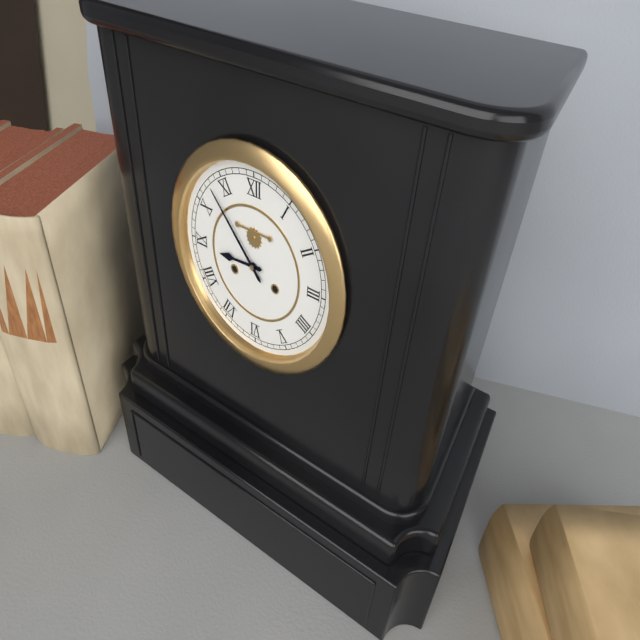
**8:53**
